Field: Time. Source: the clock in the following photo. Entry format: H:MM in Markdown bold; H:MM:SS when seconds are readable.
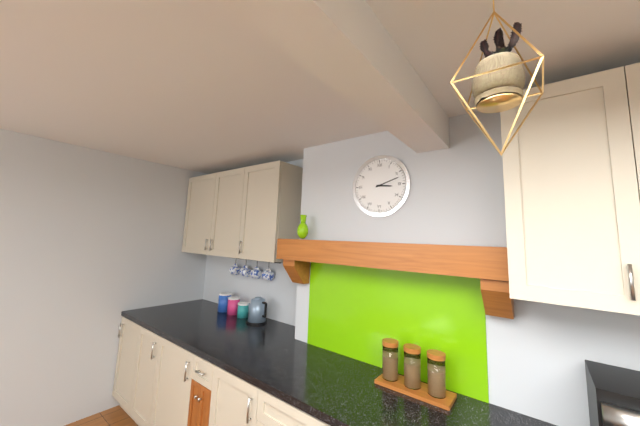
**3:12**
